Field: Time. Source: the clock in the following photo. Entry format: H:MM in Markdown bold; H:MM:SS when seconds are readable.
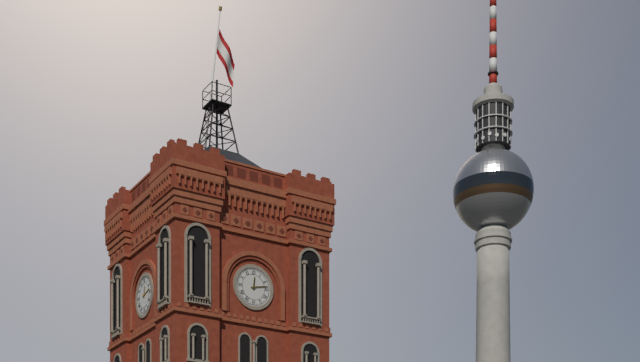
**12:13**
